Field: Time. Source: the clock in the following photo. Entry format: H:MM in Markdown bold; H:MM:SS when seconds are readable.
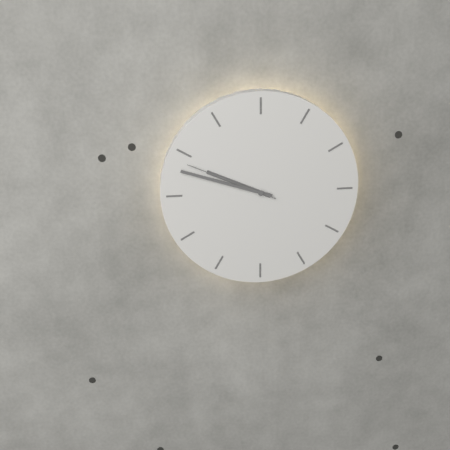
**9:48:49**
